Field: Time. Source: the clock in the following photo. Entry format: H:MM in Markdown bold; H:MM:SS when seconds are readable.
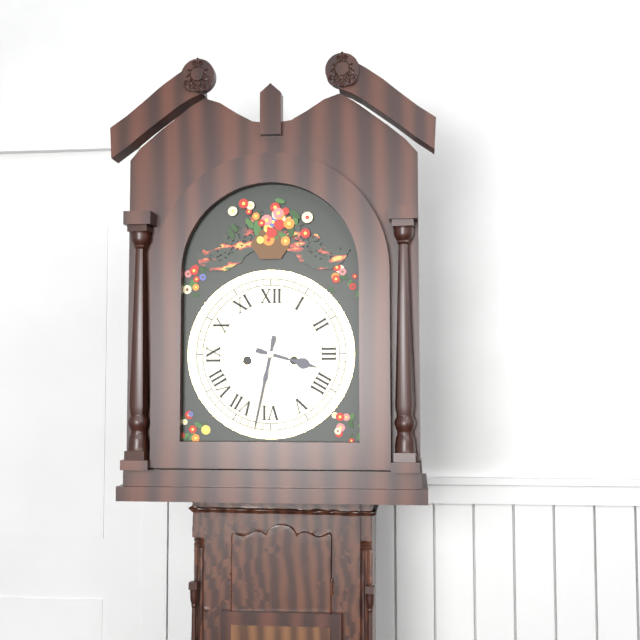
**3:32**
